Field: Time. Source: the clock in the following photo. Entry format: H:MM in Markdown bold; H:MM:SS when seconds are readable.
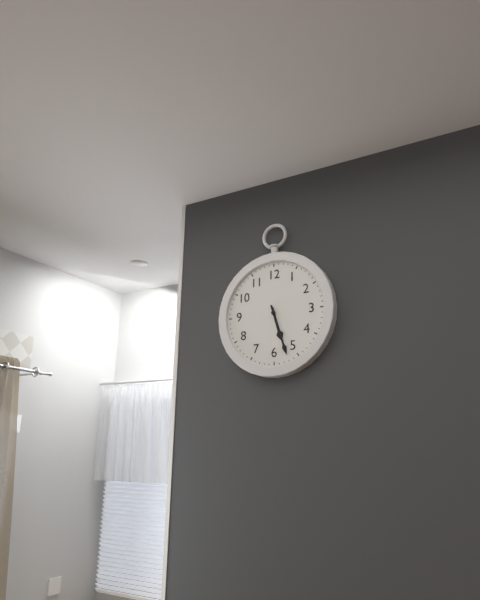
**5:27**
